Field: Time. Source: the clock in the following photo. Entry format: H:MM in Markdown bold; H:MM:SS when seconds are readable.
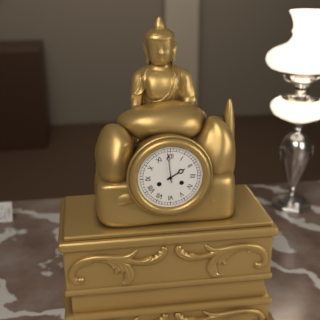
**1:59**
